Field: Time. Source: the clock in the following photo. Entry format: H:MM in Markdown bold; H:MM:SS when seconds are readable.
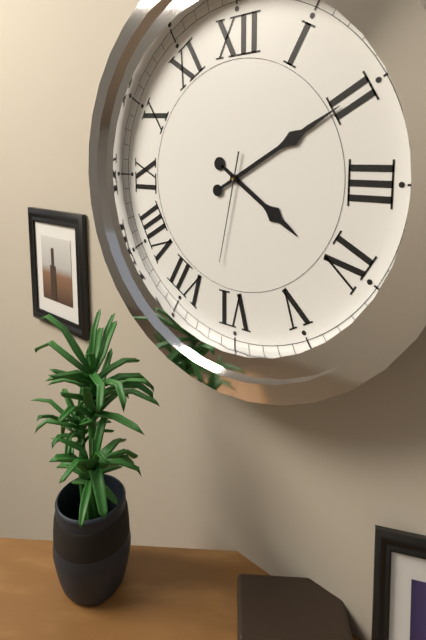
**4:10:32**
